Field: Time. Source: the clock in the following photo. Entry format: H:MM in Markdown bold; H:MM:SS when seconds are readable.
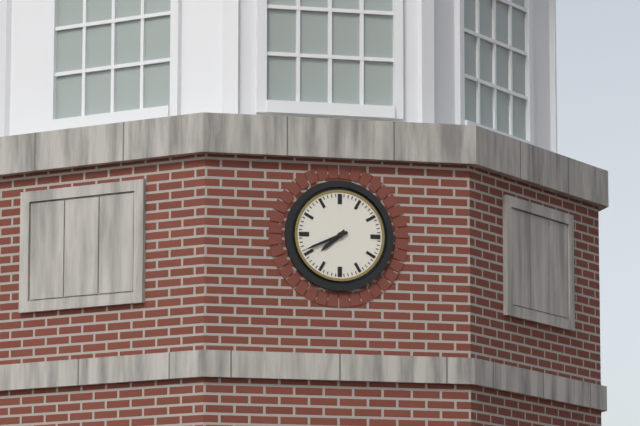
**7:41**
